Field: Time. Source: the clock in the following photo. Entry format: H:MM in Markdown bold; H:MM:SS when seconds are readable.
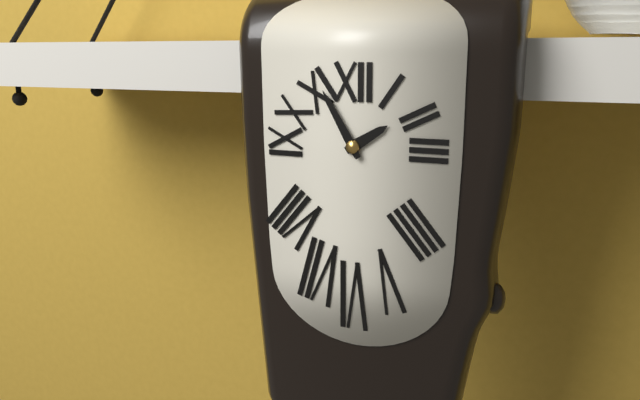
**1:55**
